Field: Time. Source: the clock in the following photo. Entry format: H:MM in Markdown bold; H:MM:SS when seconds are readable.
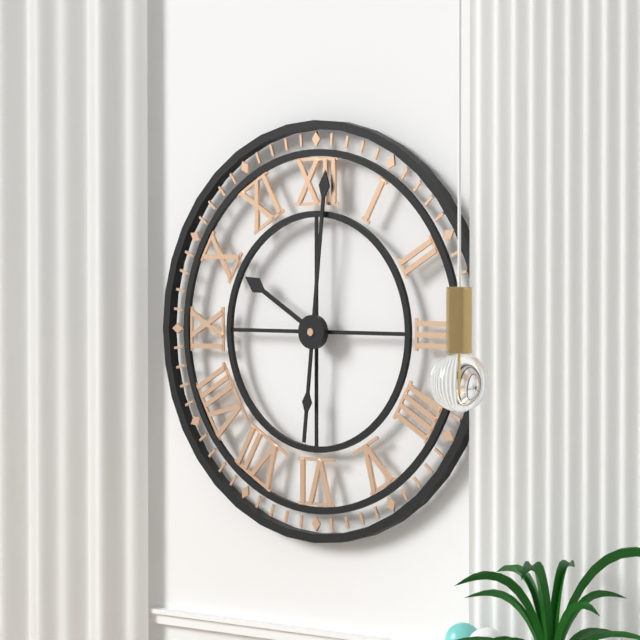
**10:01**
